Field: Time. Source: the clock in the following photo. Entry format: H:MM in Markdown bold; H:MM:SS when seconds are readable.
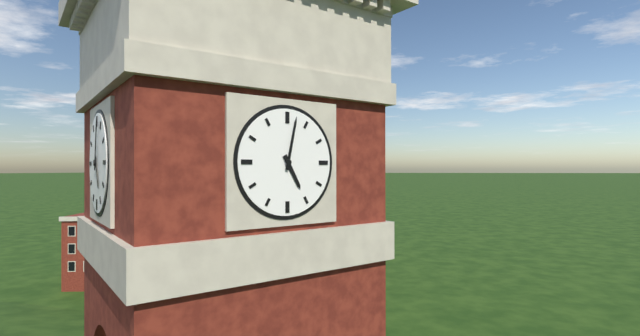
**5:02**
